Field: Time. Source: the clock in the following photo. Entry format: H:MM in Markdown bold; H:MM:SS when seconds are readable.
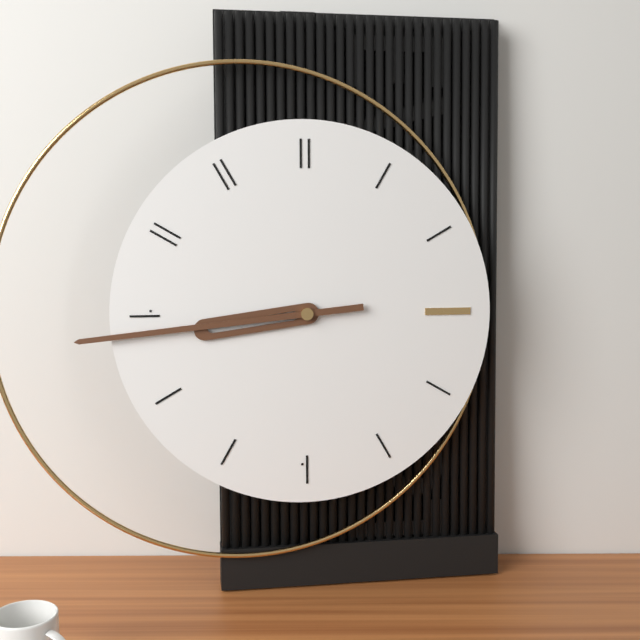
**8:44**
